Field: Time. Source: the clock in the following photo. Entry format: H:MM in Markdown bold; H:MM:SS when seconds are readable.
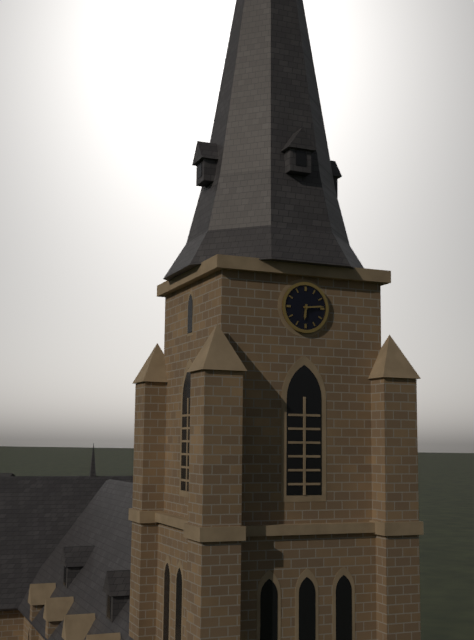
**6:14**
